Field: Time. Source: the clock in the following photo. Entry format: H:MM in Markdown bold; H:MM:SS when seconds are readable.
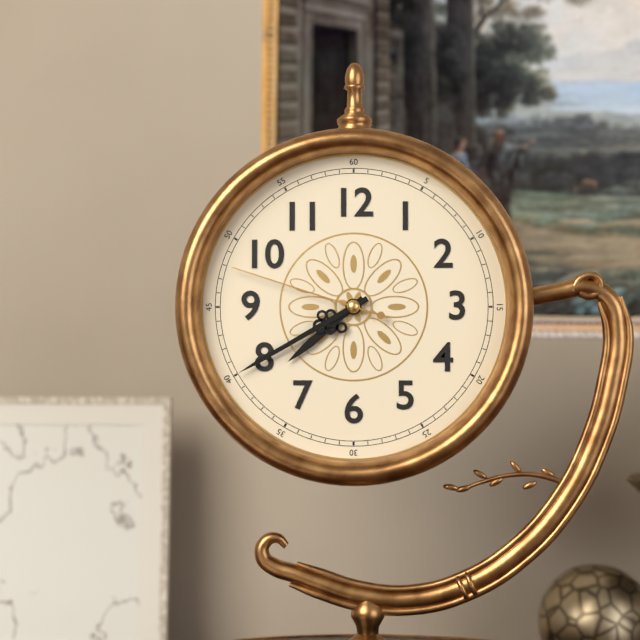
**7:40:48**
